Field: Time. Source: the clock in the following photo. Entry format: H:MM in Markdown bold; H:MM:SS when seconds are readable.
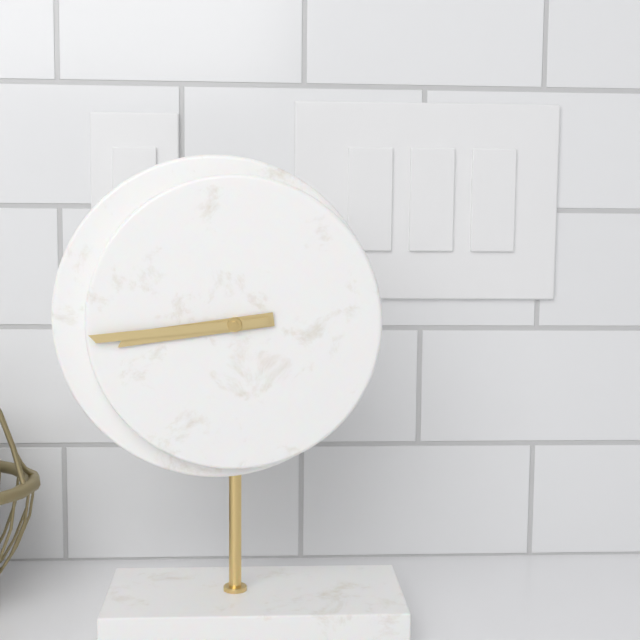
**8:44**
